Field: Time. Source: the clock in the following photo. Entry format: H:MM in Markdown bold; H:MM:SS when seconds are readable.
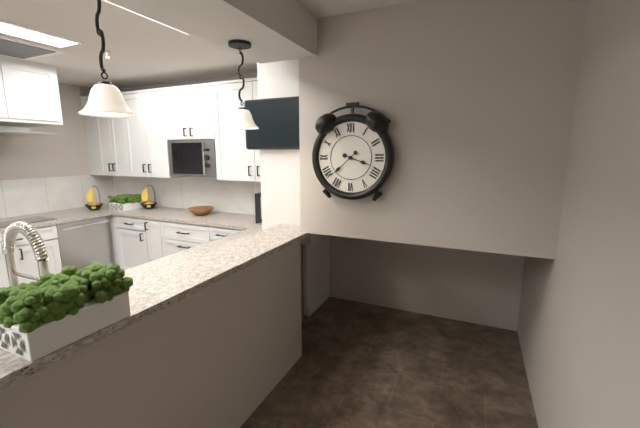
**3:38**
